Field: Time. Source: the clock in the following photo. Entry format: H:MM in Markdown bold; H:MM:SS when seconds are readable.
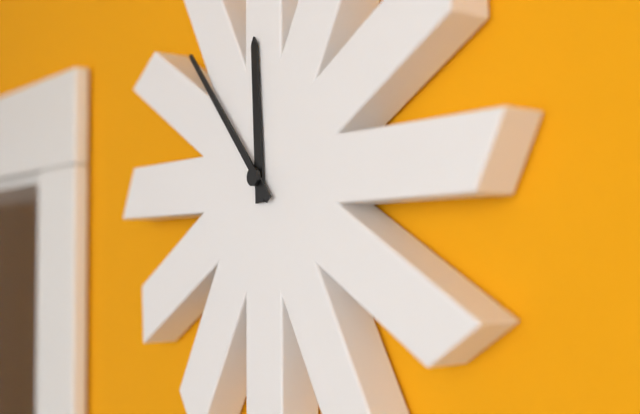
**11:53**
